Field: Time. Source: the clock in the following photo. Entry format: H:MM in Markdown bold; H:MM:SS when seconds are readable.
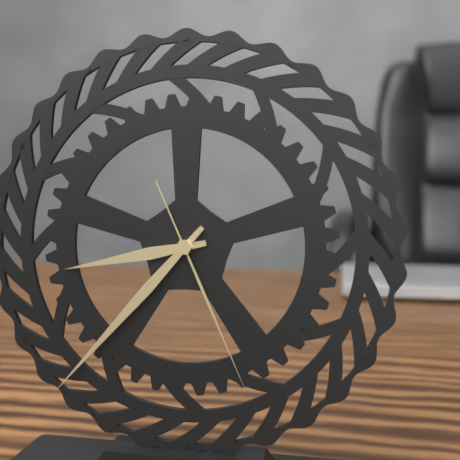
**8:37:26**
